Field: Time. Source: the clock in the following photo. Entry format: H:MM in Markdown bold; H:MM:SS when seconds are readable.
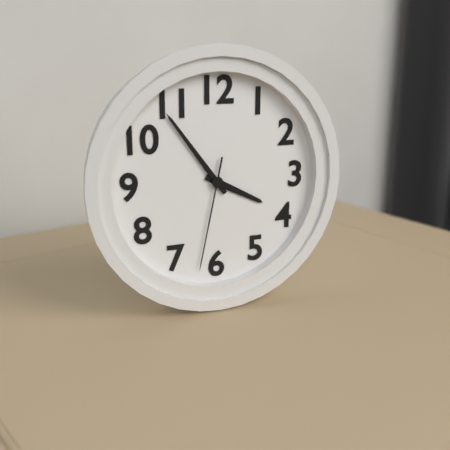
**3:54:32**
